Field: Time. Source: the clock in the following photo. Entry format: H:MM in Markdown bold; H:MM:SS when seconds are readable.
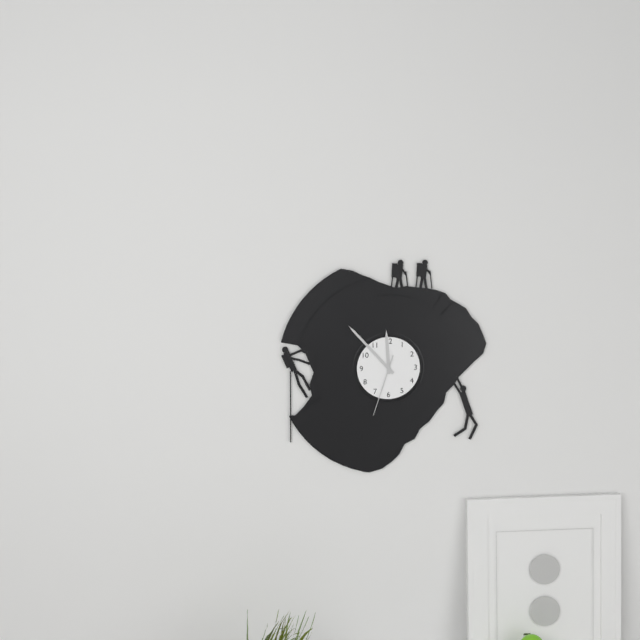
**11:53:33**
